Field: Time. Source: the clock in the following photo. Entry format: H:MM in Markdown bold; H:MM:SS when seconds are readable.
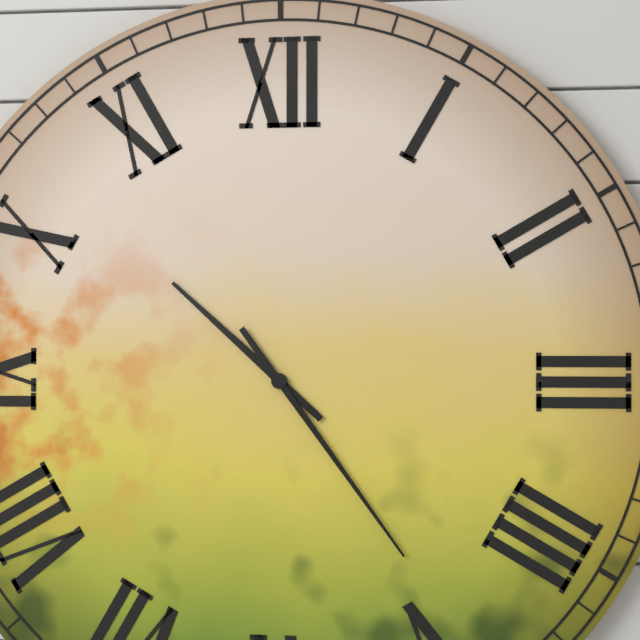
**10:24**
